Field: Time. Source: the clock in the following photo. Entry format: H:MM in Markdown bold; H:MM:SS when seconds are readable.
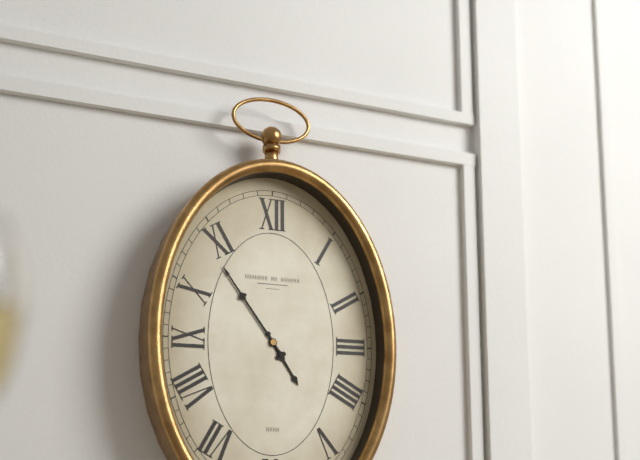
**4:54**
